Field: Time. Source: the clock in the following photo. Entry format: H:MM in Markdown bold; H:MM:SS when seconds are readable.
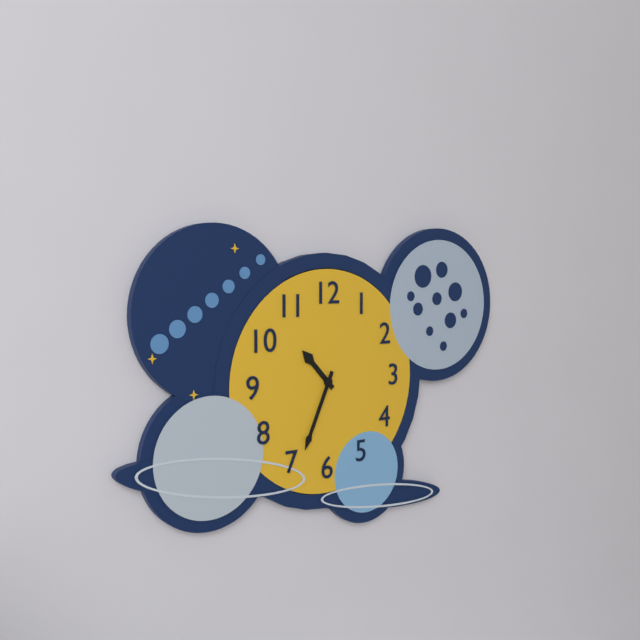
**10:34**
